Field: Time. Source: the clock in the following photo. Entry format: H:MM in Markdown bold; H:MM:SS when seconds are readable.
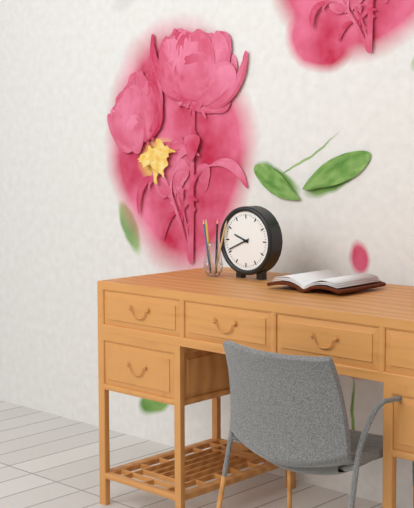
**9:41**
